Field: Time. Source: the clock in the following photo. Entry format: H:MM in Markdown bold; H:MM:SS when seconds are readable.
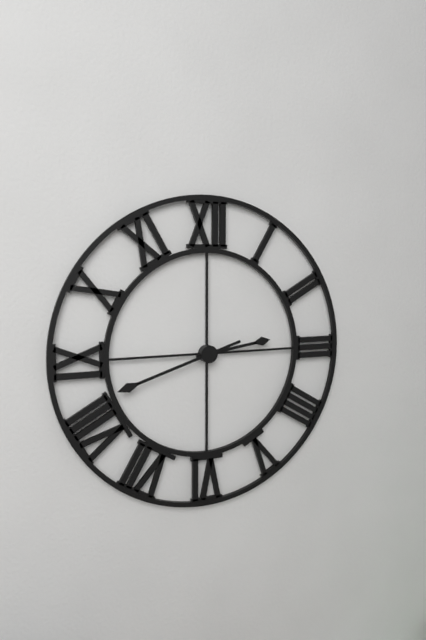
**2:42**
